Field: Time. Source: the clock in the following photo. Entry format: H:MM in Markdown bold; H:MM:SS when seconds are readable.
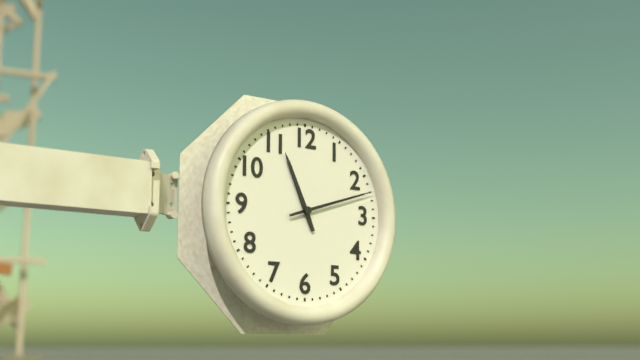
**11:12**
